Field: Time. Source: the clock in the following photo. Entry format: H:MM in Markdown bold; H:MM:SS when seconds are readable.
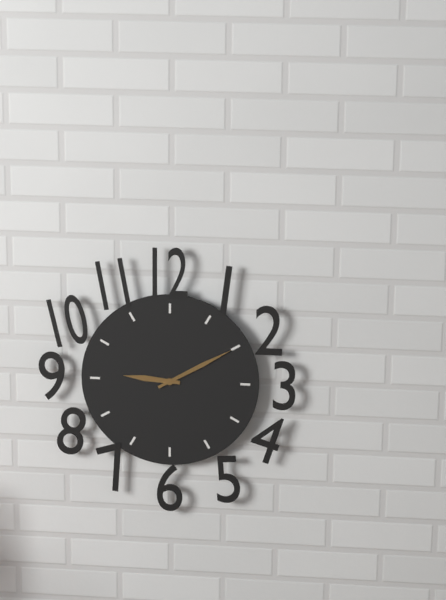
**9:10**
